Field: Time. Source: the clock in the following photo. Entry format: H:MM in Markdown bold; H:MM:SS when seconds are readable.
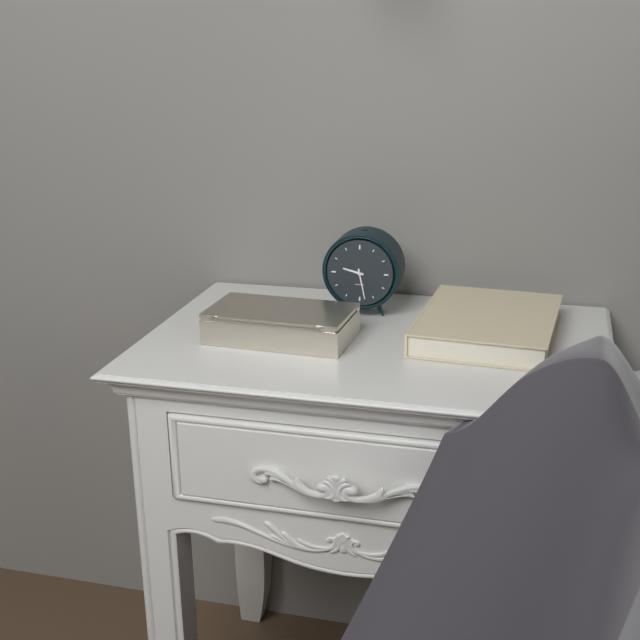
**9:28**
